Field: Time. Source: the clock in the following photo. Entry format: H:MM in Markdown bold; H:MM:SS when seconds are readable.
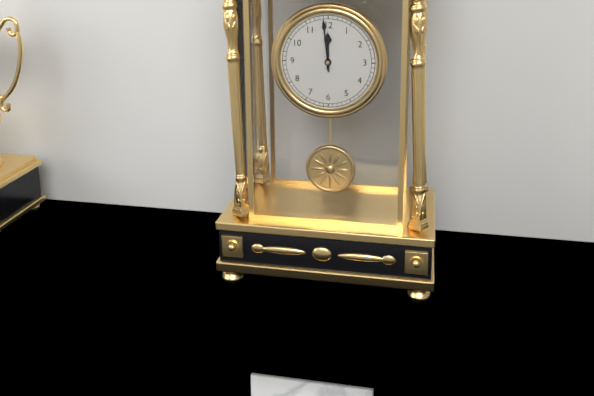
**11:59**
